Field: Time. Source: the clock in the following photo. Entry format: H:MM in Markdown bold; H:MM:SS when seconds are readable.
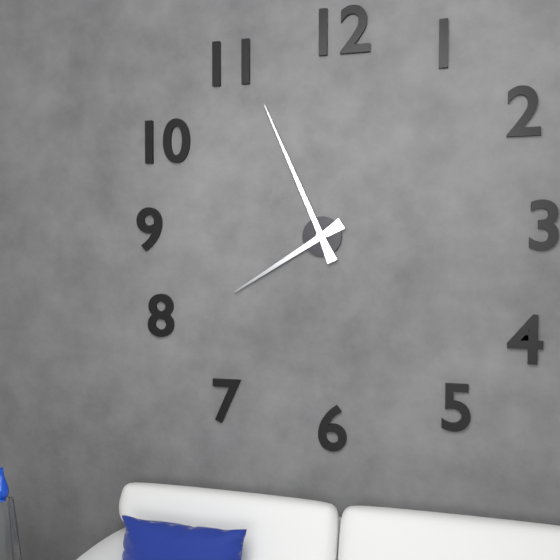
**7:56**
